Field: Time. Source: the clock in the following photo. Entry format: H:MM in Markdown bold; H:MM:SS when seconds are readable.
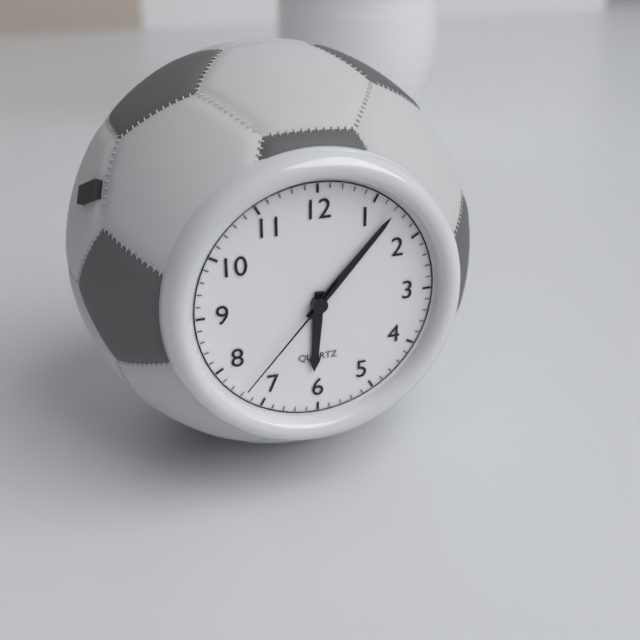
**6:07:37**
